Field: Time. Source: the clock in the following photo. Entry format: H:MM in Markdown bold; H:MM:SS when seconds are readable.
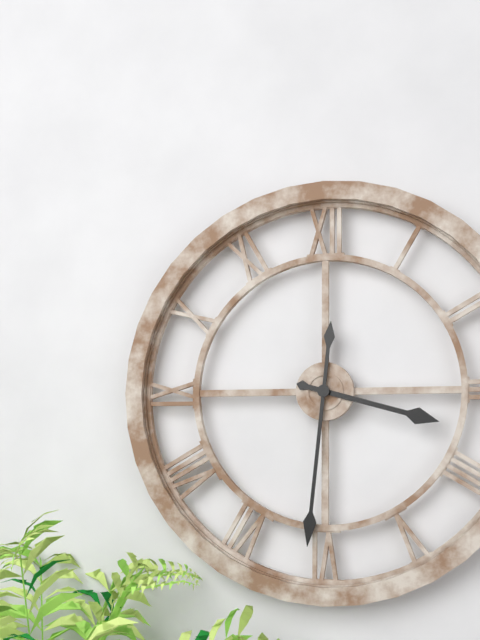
**3:31**
